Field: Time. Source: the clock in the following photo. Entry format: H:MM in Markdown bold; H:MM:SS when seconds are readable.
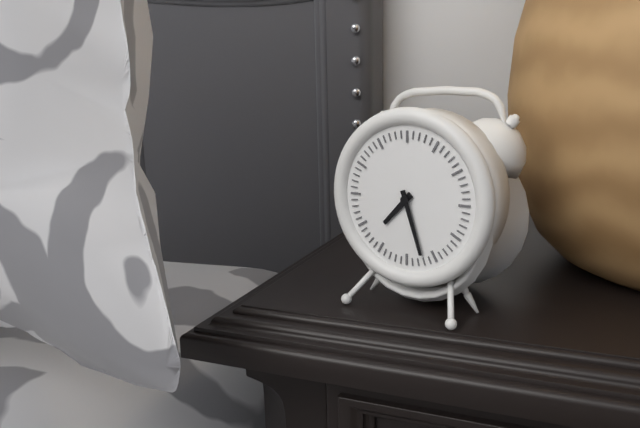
**7:27**
